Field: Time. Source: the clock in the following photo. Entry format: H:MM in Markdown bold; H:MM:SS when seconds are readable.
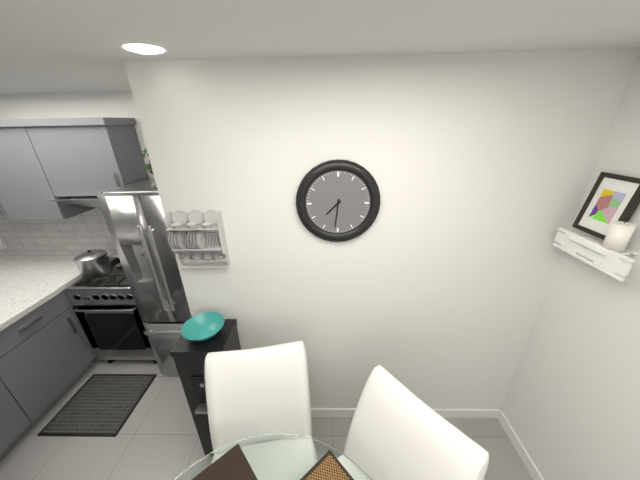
**7:31**
